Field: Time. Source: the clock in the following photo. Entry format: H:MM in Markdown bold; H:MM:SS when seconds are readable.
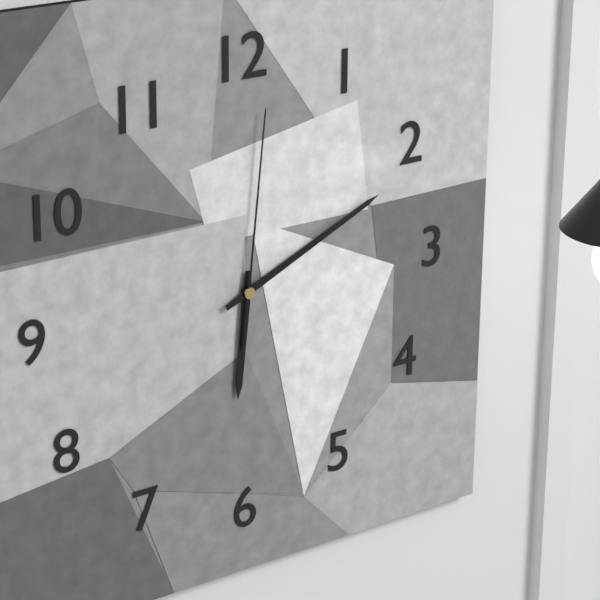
**6:11:01**
